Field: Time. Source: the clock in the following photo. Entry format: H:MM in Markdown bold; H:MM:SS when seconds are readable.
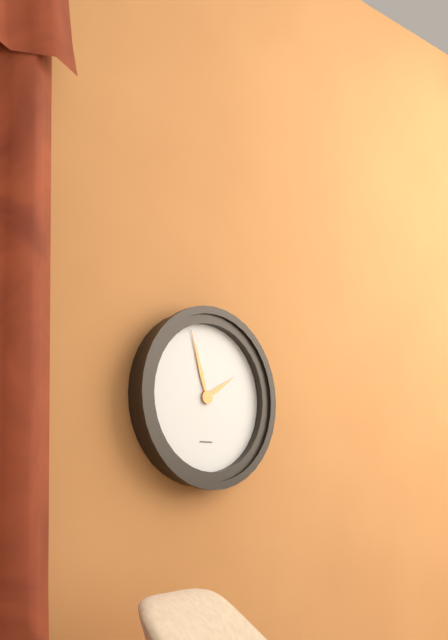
**1:57**
